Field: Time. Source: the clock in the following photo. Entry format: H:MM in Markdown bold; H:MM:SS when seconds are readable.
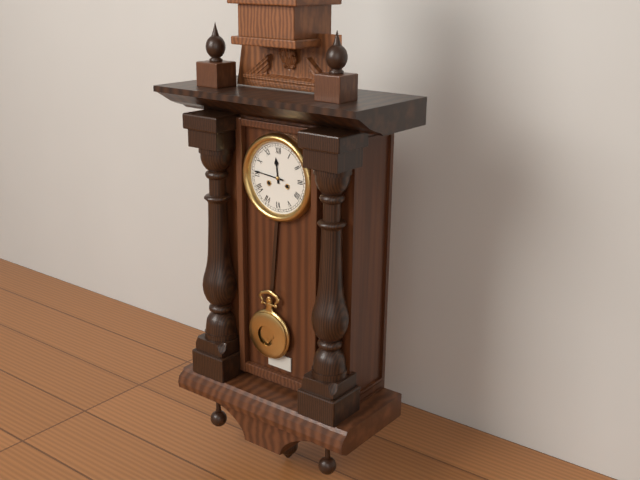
**11:46**
